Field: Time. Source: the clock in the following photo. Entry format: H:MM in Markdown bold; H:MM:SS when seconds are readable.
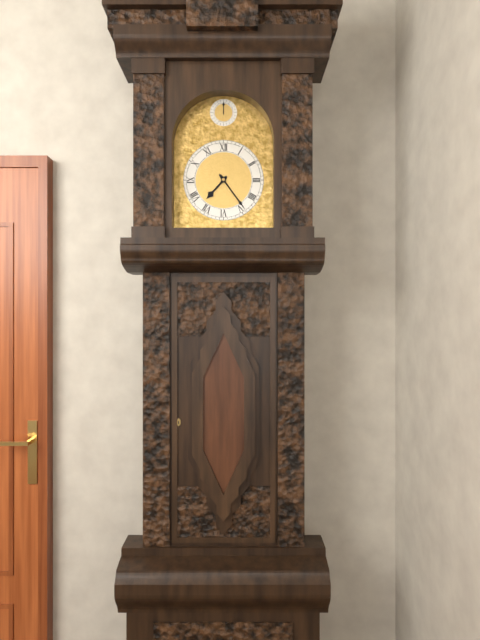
**7:24**
